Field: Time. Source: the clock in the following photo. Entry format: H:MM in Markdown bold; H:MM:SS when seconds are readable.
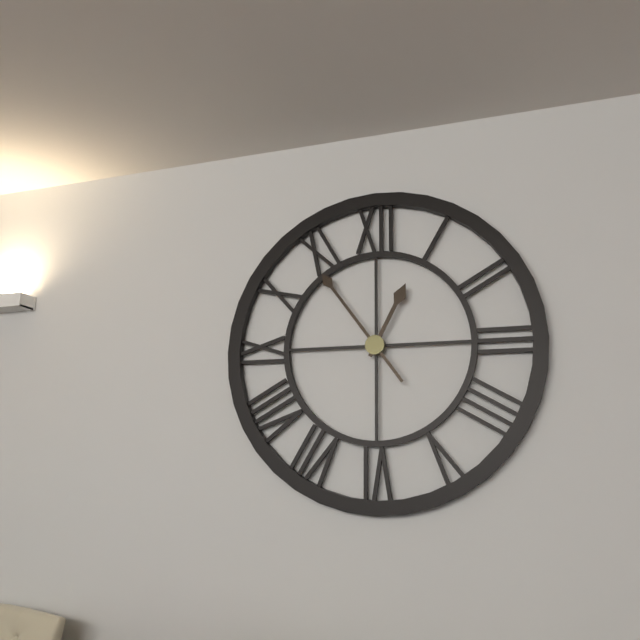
**12:54**
